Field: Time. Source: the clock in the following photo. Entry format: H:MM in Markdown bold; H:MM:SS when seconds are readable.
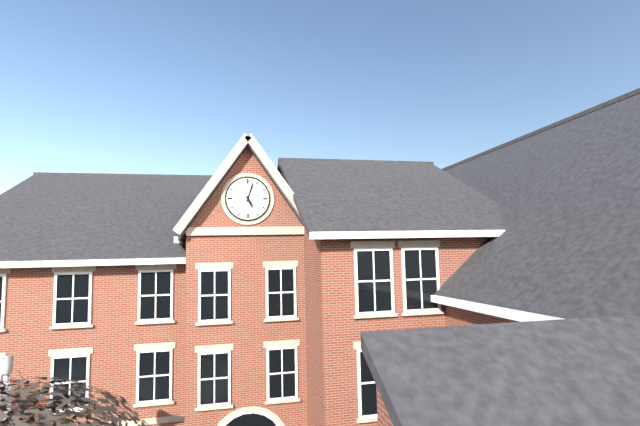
**5:03**
